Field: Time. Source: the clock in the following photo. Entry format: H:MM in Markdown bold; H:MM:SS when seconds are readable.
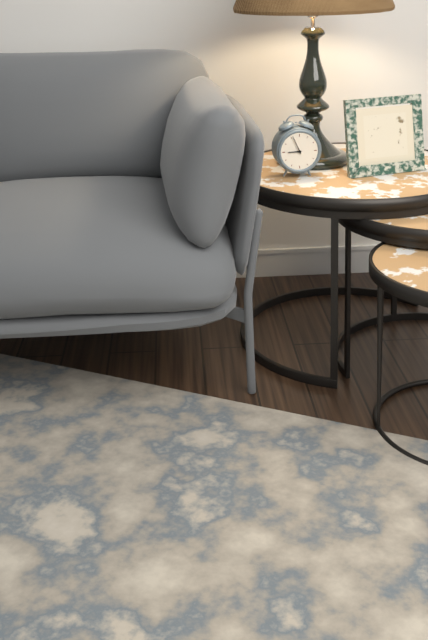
**8:56**
